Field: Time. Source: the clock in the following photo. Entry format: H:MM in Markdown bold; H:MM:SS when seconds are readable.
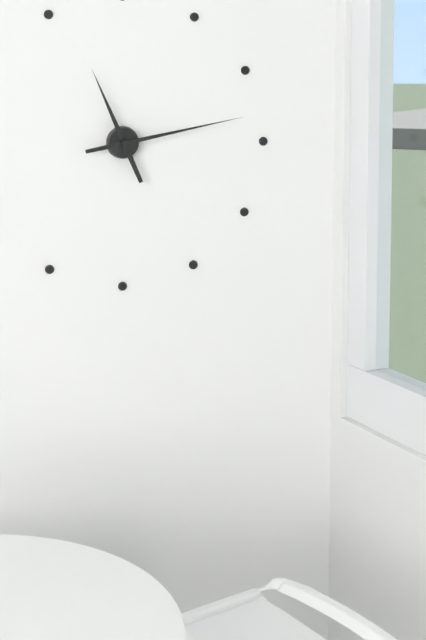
**11:13**
